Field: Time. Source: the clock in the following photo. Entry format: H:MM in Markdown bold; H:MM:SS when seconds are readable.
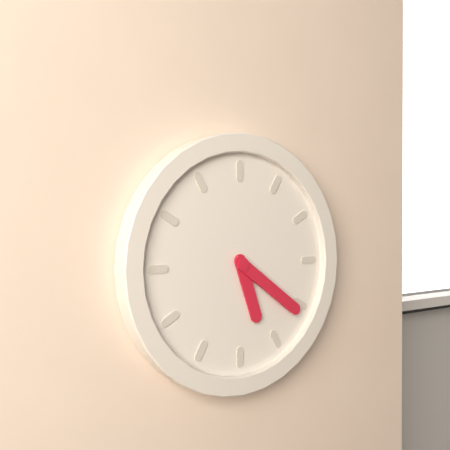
**5:21**
